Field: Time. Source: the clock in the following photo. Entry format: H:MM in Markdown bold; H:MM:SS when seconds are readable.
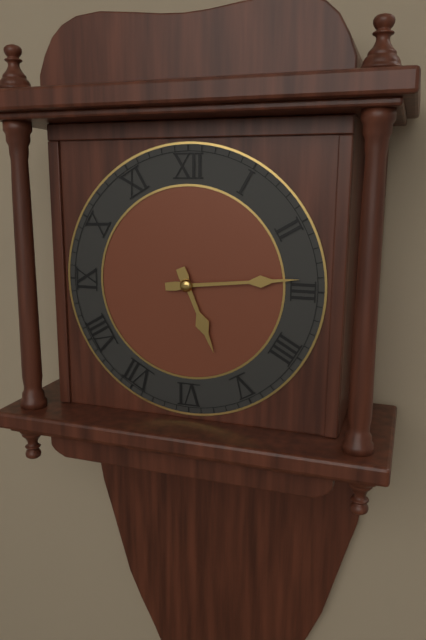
**5:14**
